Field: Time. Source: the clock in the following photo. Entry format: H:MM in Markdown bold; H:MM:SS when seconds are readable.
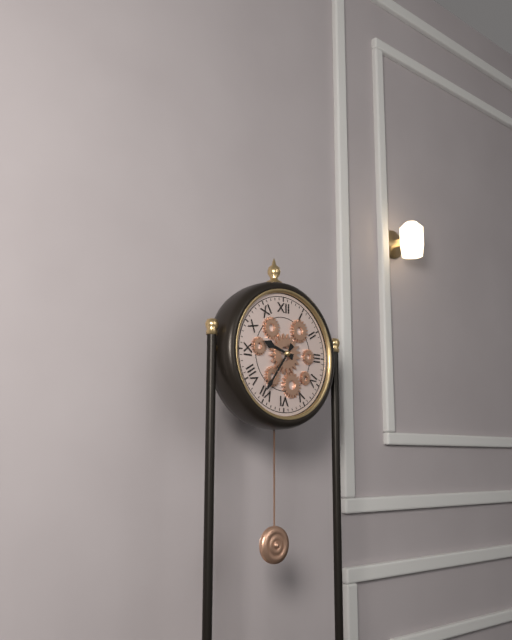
**9:36**
